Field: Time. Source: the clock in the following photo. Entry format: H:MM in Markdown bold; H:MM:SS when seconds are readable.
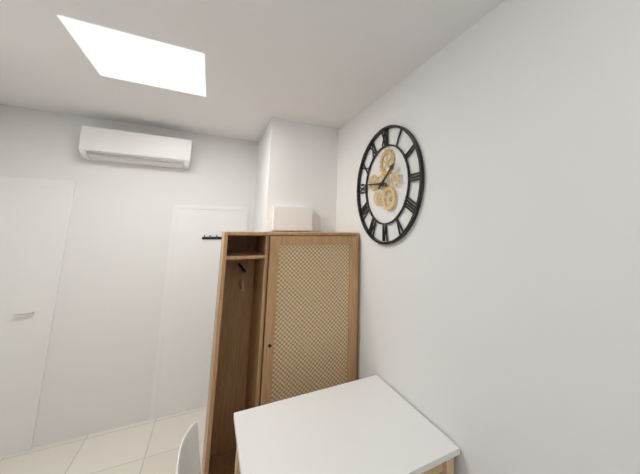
**1:46**
